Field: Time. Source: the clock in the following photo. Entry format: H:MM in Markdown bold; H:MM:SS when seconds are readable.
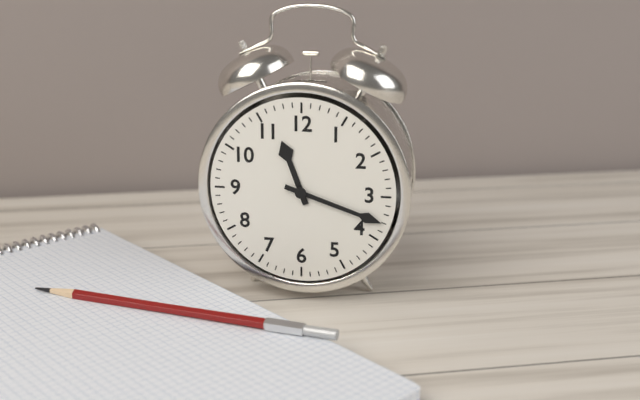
**11:18**
